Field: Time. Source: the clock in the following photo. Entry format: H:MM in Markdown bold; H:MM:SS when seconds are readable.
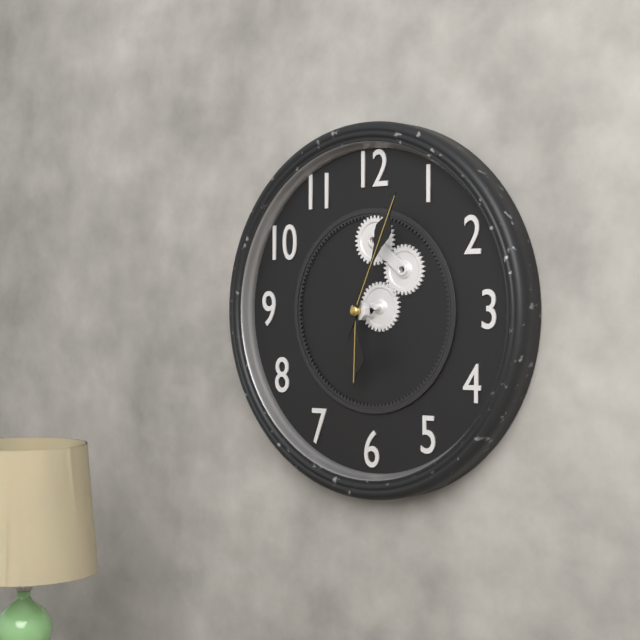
**6:04**
